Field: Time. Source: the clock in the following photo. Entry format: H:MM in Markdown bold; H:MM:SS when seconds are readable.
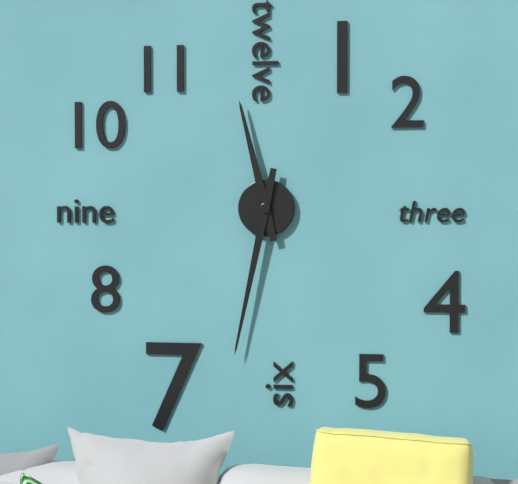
**11:32**
